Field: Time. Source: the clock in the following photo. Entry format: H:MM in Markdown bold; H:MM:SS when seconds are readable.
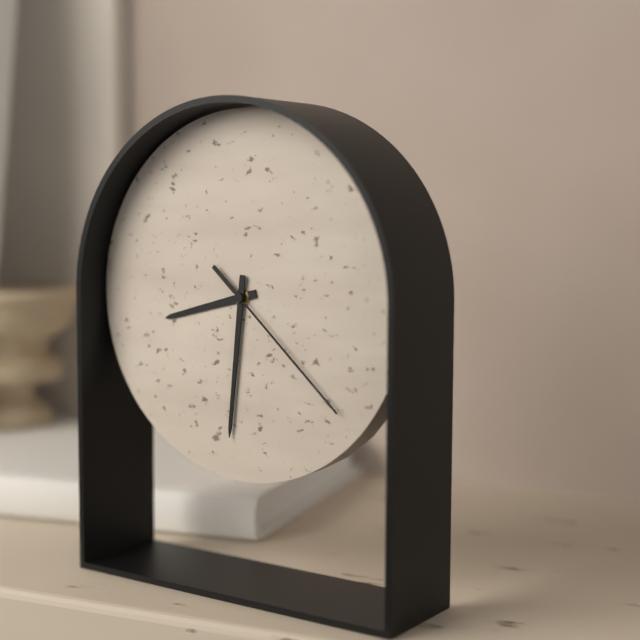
**8:31:22**
